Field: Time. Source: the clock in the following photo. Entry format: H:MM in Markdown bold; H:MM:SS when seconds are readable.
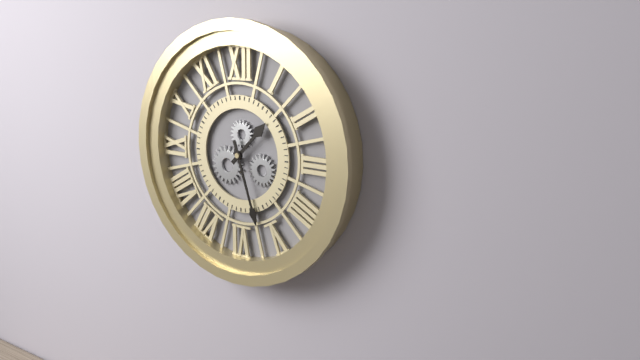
**1:27**
